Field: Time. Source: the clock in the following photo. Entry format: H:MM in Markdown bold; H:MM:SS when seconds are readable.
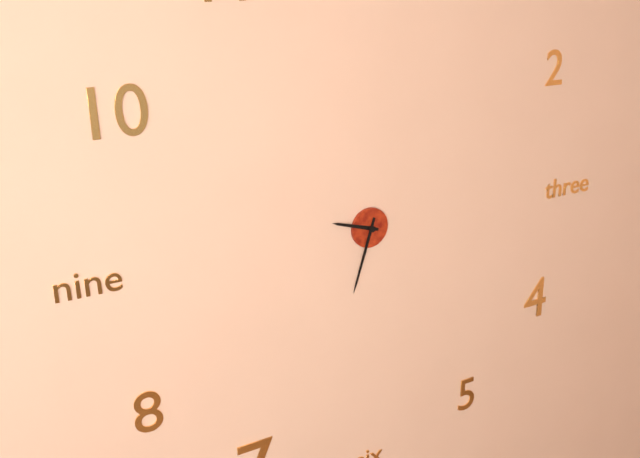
**9:33**
